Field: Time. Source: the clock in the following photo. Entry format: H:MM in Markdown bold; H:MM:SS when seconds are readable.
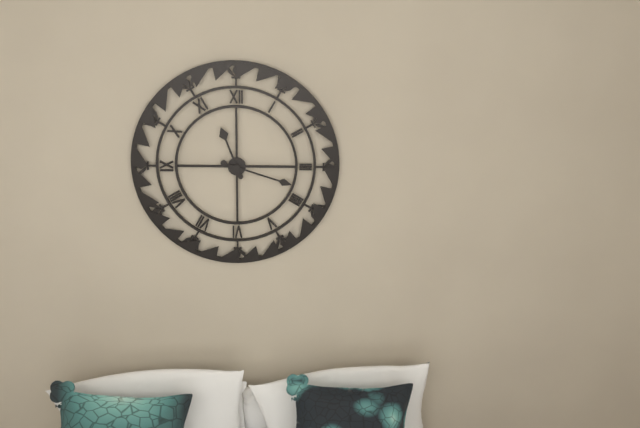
**11:18**
